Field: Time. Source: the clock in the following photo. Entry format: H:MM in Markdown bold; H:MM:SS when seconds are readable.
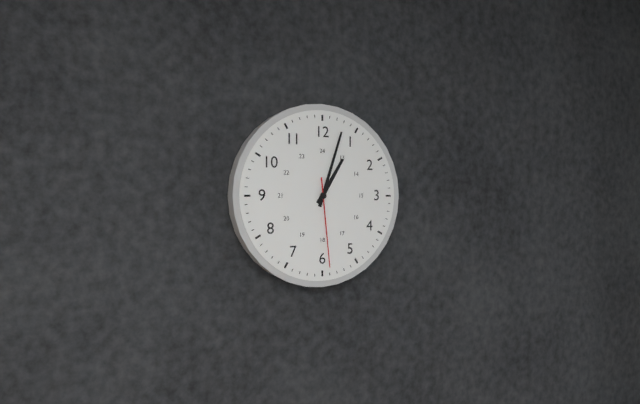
**1:03:29**
